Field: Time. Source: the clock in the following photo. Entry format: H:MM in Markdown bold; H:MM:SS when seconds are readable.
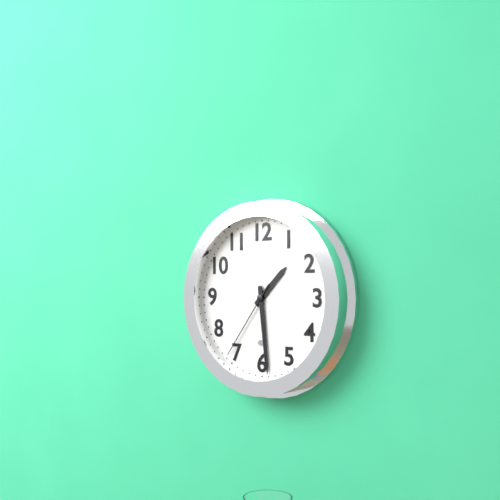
**1:29:36**
